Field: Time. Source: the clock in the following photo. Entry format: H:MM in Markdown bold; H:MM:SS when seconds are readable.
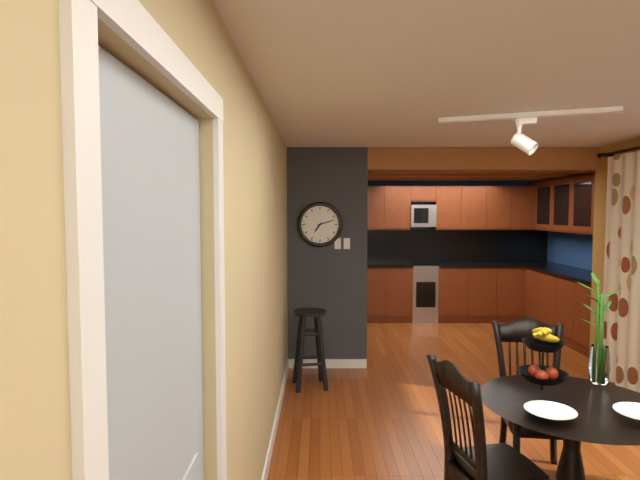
**7:12**
